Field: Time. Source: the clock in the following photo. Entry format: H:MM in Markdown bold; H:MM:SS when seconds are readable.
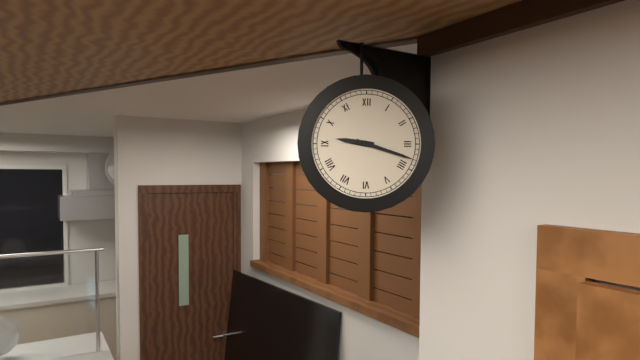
**9:18**
